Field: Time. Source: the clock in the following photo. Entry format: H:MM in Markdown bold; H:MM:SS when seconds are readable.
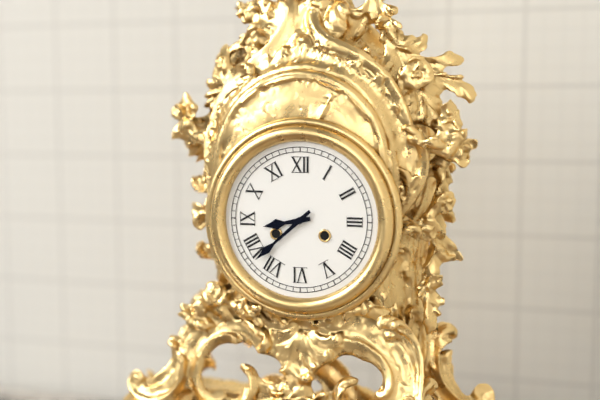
**8:38**
